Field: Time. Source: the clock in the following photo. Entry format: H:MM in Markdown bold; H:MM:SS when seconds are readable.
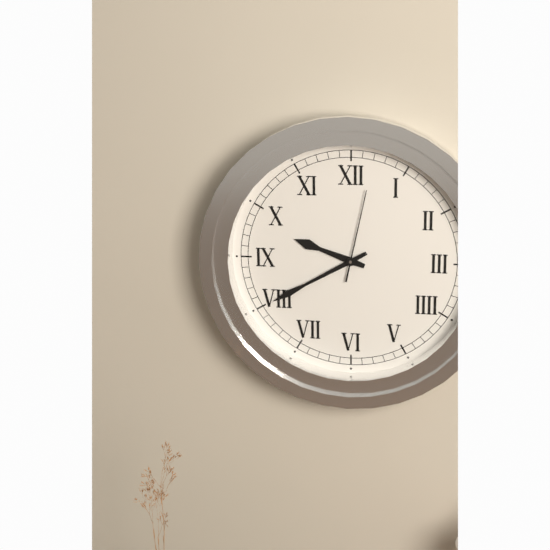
**9:40:02**
